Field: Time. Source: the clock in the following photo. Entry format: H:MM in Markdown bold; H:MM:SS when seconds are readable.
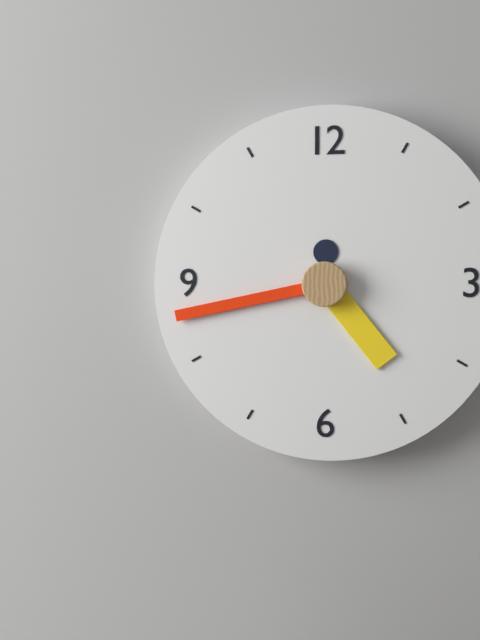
**4:43**
